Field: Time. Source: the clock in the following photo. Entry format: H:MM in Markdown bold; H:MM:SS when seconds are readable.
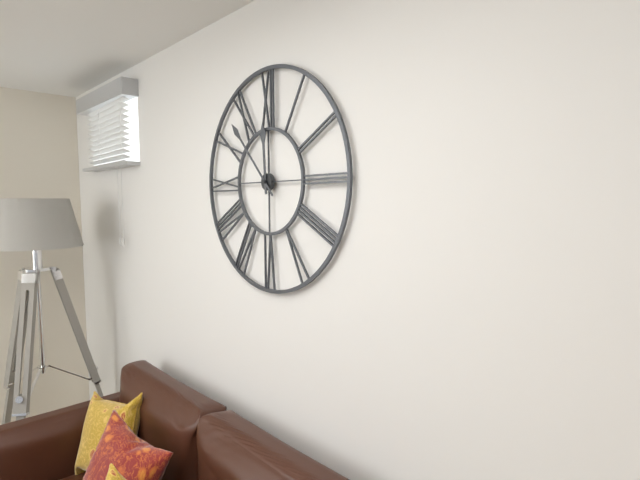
**11:53**
